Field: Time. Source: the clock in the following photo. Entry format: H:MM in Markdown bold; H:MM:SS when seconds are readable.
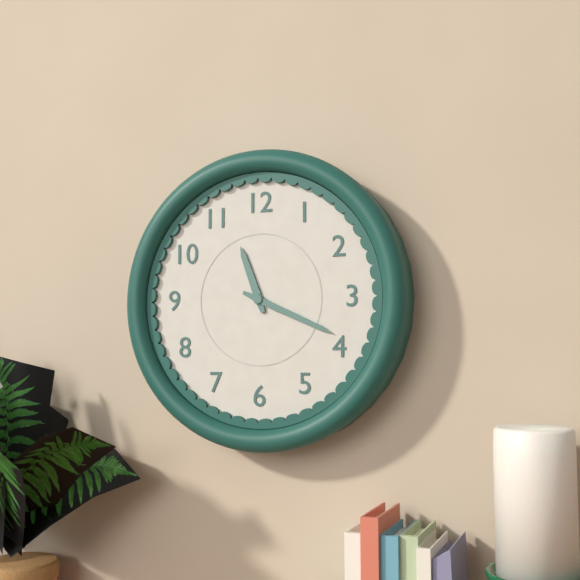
**11:19**
